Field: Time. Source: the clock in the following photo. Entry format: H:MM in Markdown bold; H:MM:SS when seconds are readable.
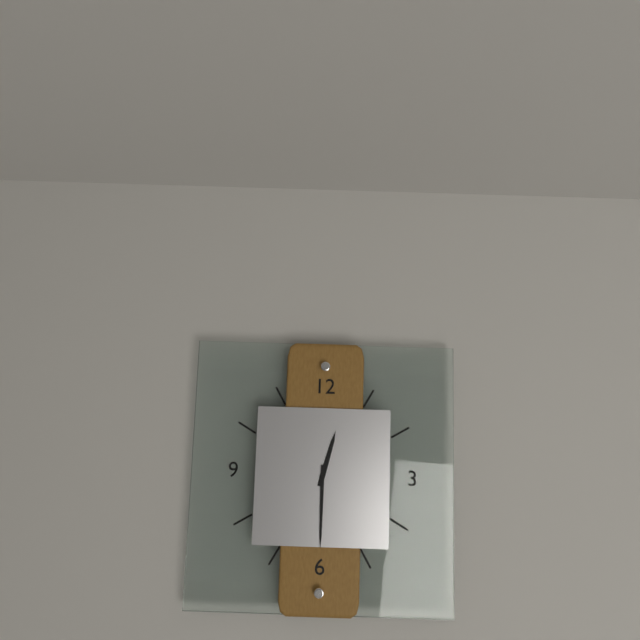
**12:30**
